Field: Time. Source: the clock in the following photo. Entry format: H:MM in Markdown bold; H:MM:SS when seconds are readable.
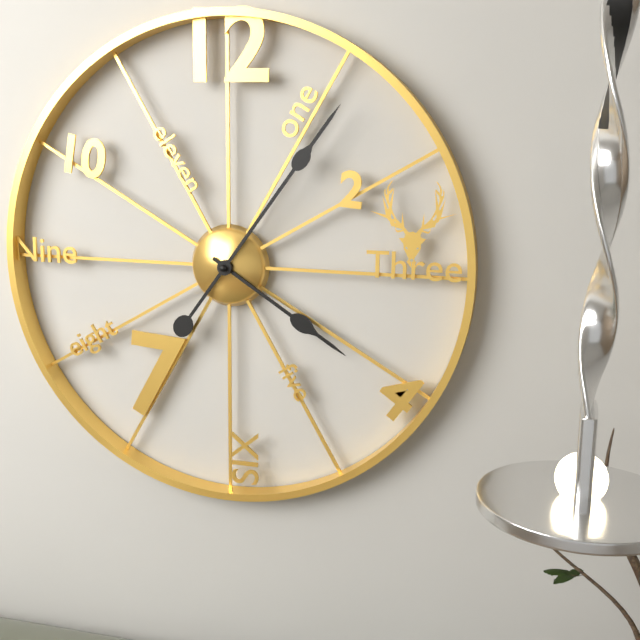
**4:06**
